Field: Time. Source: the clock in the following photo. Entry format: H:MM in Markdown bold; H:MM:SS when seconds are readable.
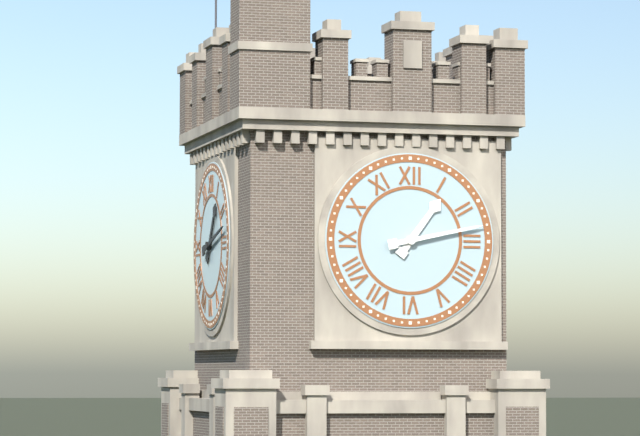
**1:13**
